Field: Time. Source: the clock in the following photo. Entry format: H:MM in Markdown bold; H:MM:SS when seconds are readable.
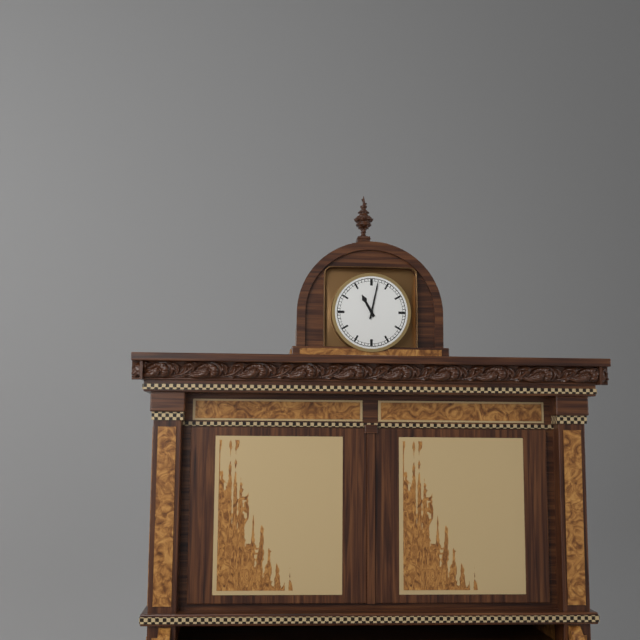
**11:02**
